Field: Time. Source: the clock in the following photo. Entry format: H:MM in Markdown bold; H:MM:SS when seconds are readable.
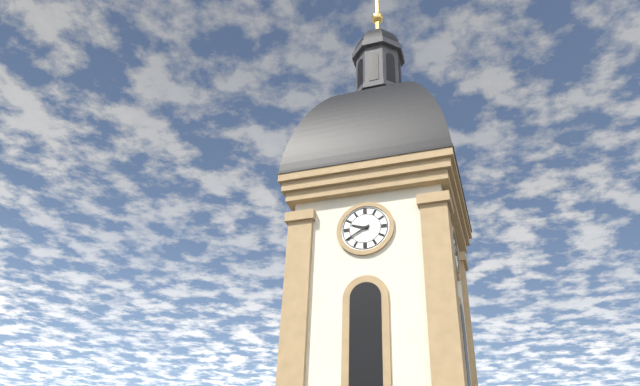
**9:40**
